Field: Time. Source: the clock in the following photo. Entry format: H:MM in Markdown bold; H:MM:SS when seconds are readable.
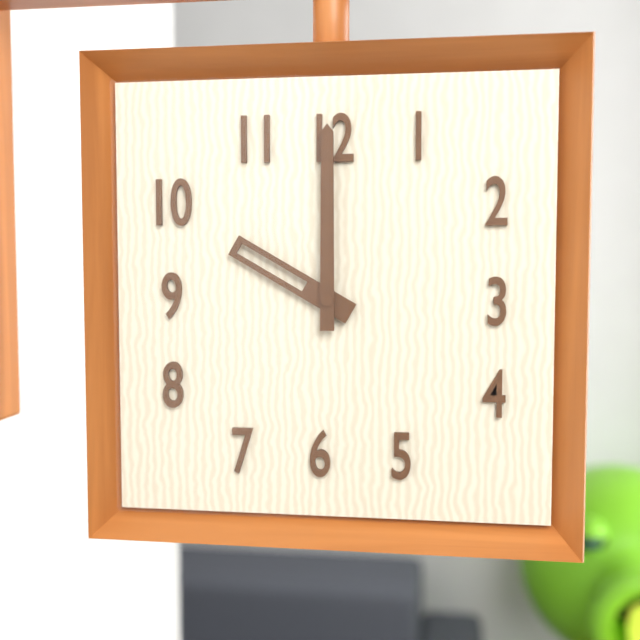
**10:00**
